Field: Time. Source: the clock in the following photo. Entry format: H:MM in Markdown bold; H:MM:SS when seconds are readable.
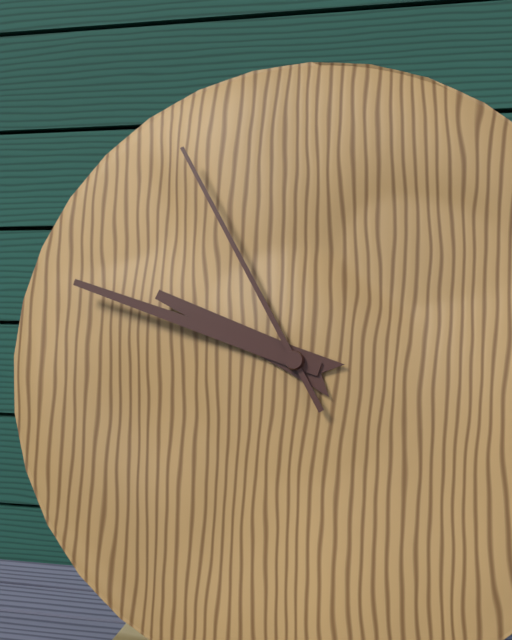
**9:48:55**
